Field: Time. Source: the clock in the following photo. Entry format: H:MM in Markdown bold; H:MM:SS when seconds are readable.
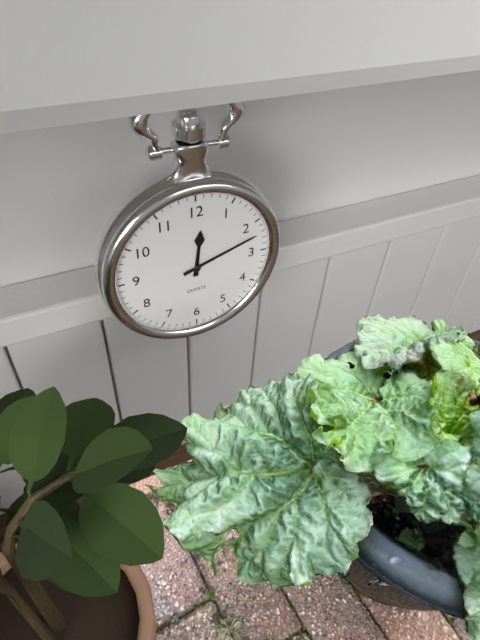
**12:12**
